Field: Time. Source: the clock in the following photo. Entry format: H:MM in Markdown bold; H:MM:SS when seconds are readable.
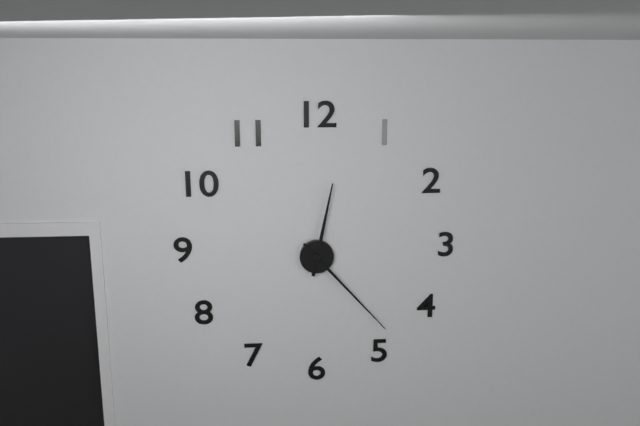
**12:23**
